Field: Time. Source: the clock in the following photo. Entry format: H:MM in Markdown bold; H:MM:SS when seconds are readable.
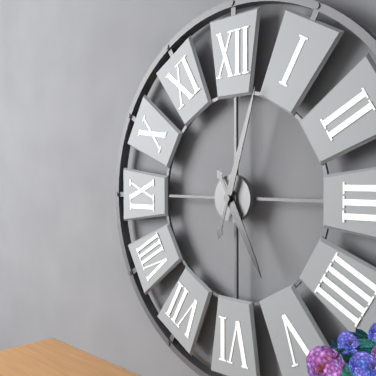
**5:03**
